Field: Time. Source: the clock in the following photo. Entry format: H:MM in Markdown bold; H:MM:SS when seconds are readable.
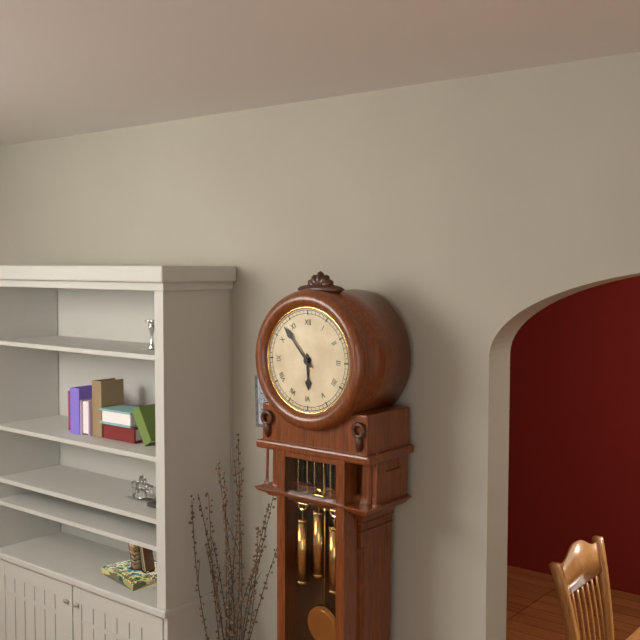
**5:53**
